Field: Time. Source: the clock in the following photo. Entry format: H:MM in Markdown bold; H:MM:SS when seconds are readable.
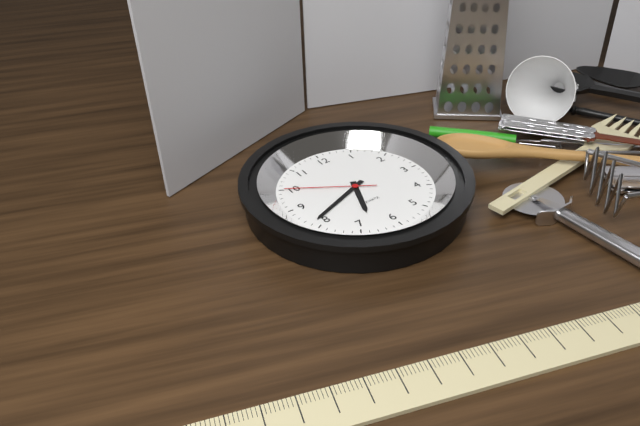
**6:41:50**
